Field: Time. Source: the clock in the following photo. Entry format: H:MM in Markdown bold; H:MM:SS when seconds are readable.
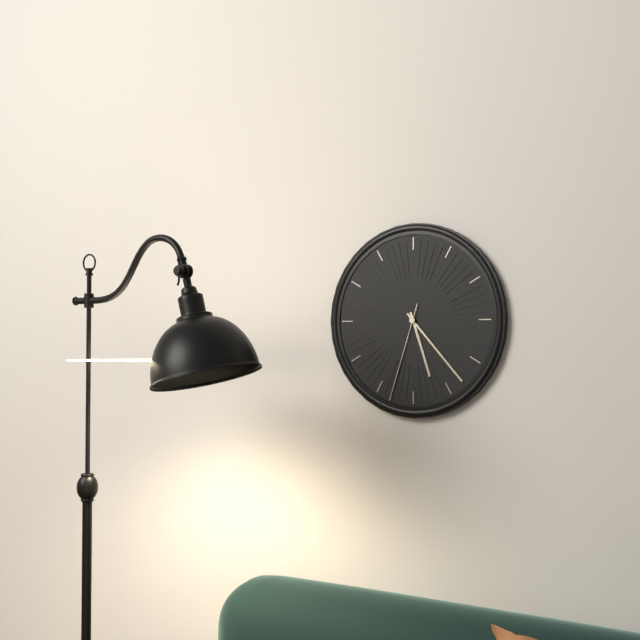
**5:23:33**
